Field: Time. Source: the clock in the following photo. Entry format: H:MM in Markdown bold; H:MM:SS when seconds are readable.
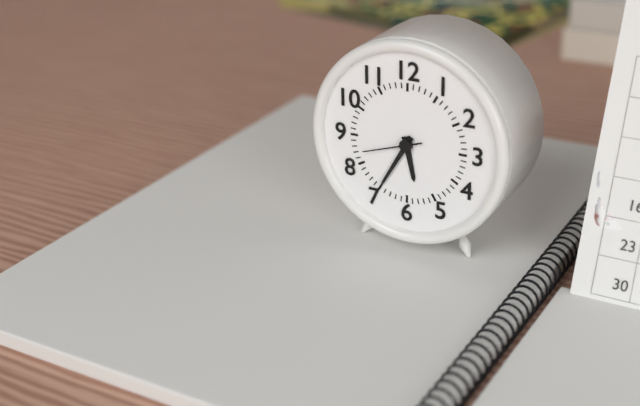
**5:35:42**
